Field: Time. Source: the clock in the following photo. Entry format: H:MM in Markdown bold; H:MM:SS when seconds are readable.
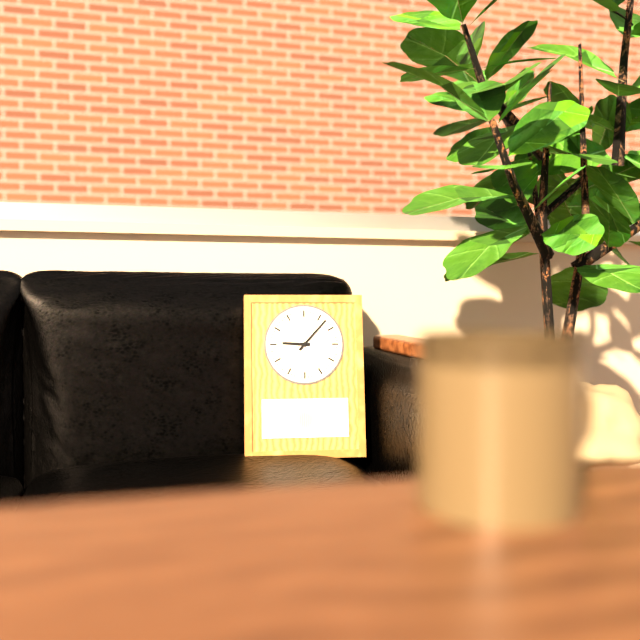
**9:07**
